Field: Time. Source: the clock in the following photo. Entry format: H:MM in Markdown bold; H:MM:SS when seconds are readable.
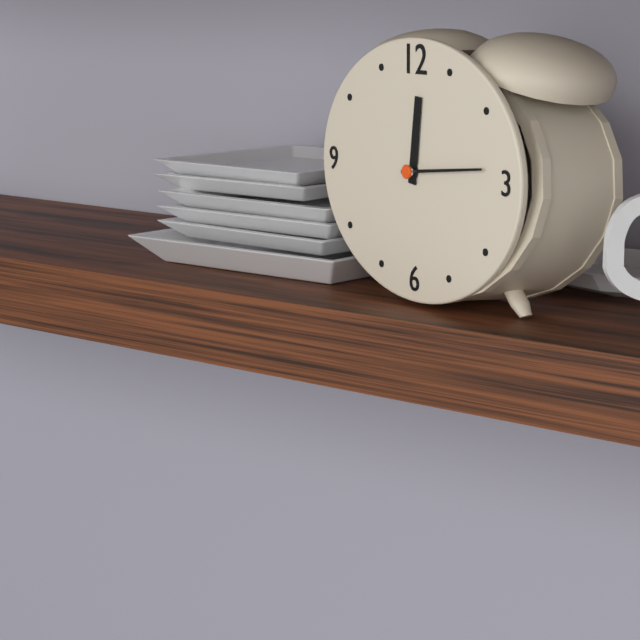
**12:14**
